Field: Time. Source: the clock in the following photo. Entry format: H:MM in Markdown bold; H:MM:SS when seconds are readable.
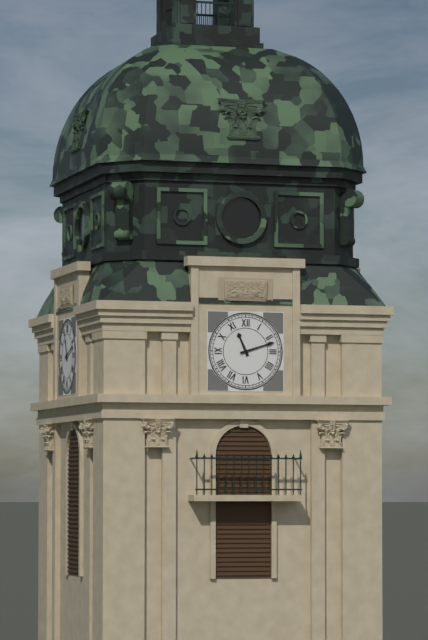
**11:12**
